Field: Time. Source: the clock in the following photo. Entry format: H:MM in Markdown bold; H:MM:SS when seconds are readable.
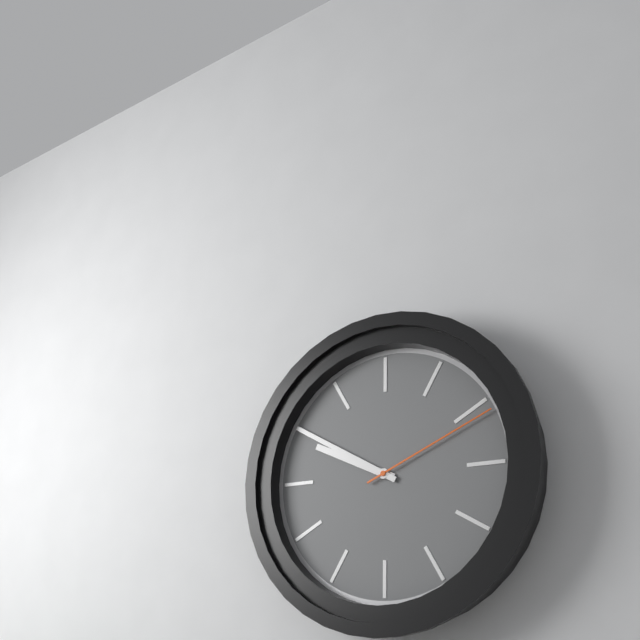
**9:50:11**
